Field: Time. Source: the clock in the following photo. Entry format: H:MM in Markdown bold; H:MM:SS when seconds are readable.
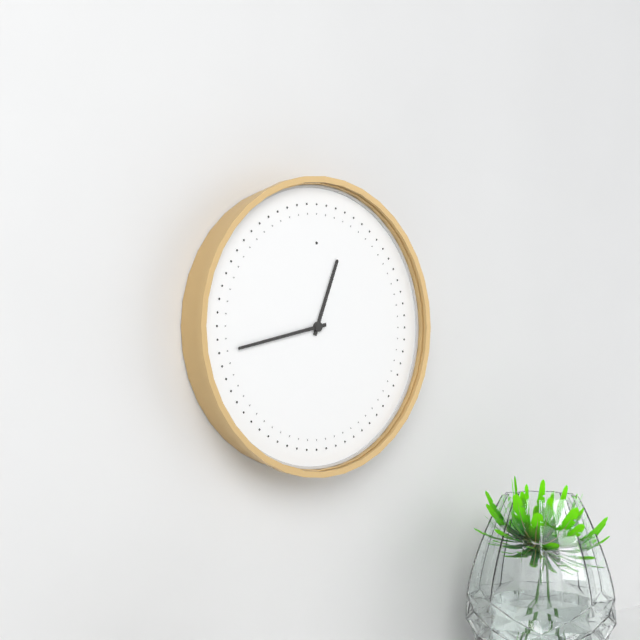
**12:43**
